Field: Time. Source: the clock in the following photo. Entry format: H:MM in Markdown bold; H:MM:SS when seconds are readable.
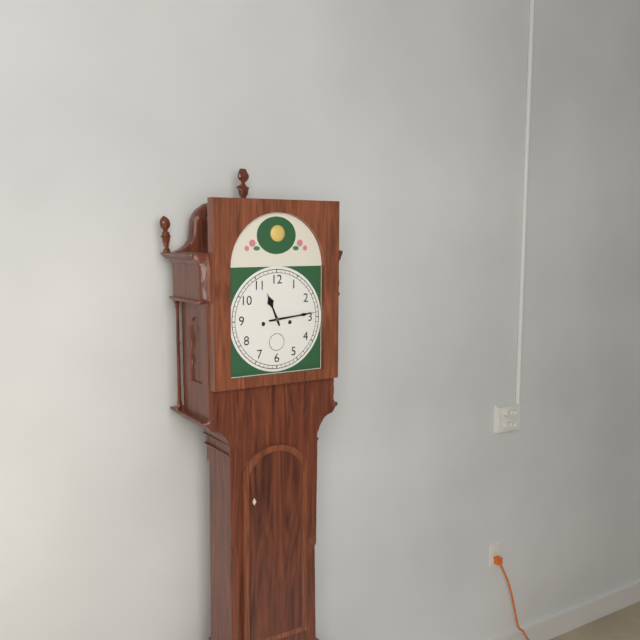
**11:14**
